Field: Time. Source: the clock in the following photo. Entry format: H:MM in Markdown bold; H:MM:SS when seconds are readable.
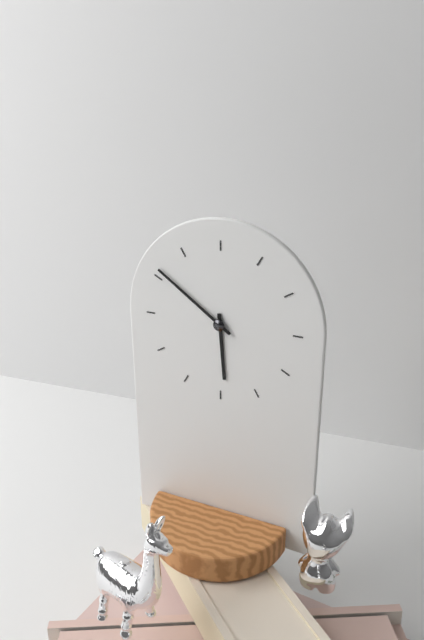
**5:51**
